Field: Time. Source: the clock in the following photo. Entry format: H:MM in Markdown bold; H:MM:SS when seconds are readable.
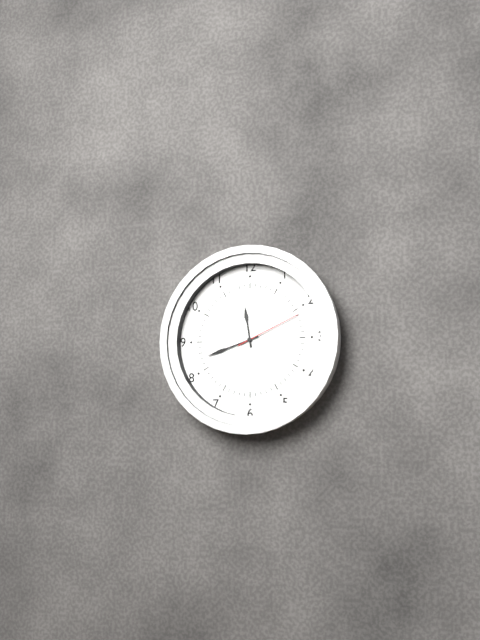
**11:42:11**
